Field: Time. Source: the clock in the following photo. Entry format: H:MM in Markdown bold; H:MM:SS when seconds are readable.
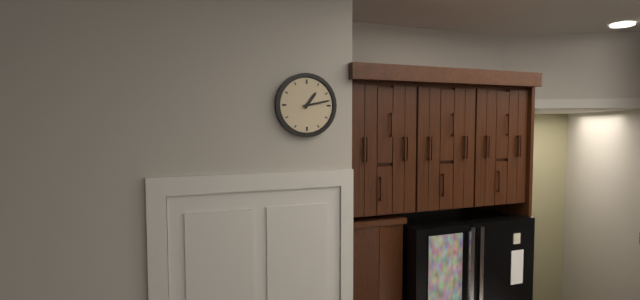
**1:13**
